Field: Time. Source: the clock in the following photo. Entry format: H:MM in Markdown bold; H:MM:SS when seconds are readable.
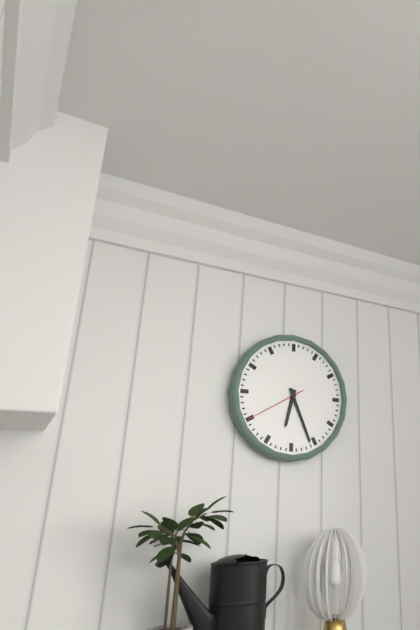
**6:26:40**
